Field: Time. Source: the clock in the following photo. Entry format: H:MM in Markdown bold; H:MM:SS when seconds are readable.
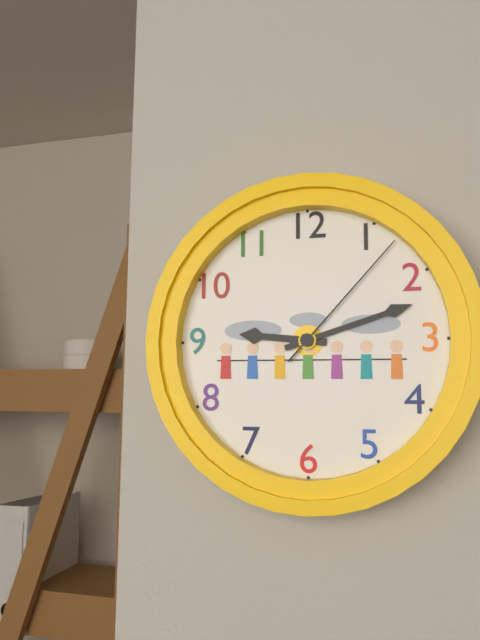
**9:12:07**
